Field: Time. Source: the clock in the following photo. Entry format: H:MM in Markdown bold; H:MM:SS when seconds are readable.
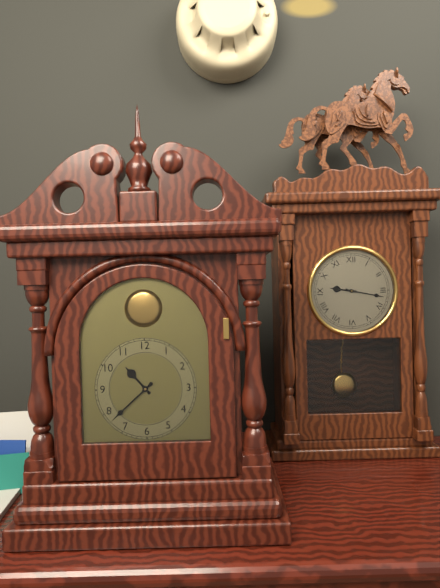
**10:38**
